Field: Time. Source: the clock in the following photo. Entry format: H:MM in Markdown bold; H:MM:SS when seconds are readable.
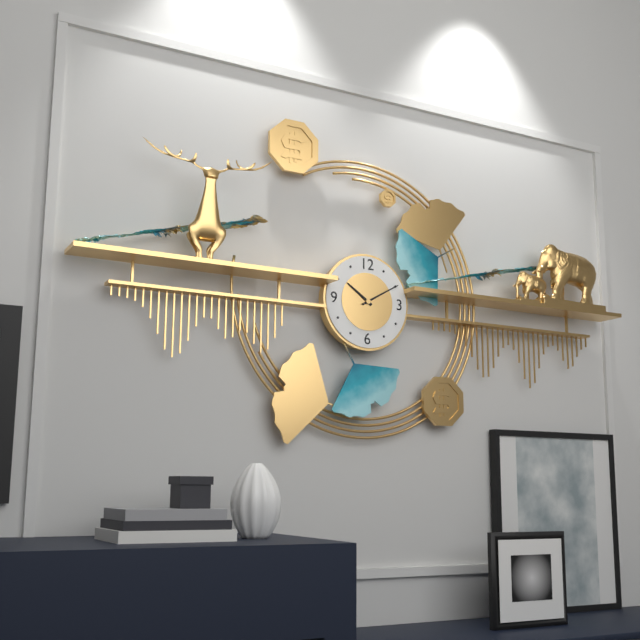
**10:10**
